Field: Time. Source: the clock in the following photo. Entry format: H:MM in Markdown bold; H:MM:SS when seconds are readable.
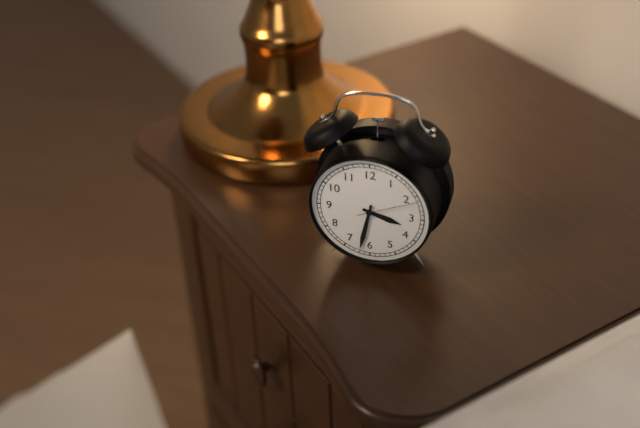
**3:32:11**
